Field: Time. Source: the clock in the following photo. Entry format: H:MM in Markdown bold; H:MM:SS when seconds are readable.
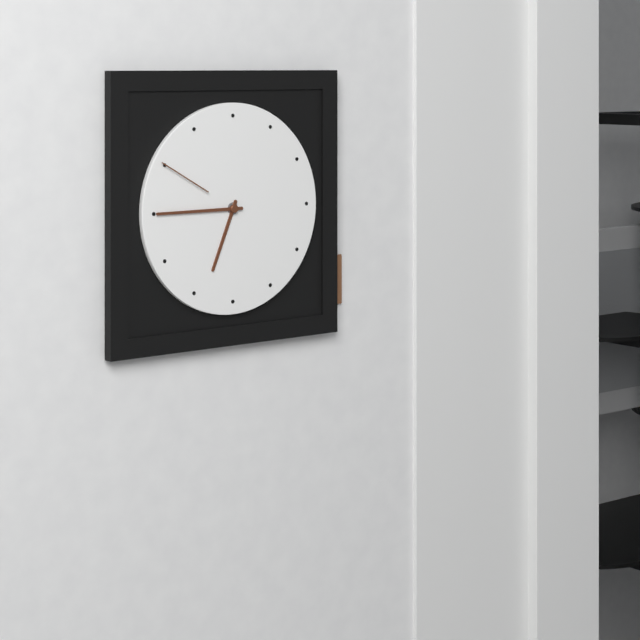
**6:45:50**
